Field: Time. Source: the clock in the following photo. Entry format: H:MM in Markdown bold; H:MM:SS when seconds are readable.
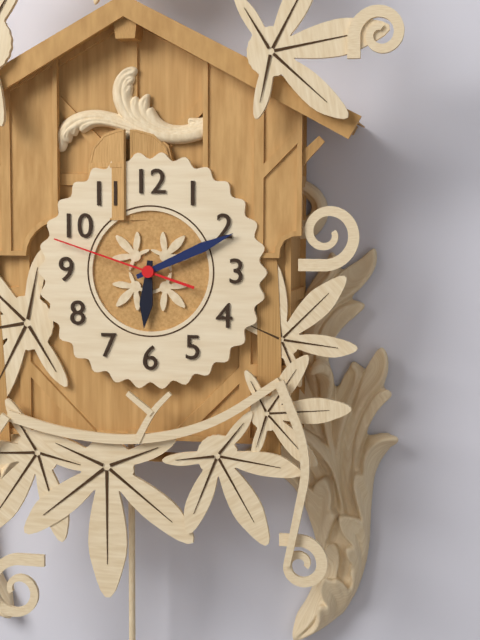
**6:11:48**
